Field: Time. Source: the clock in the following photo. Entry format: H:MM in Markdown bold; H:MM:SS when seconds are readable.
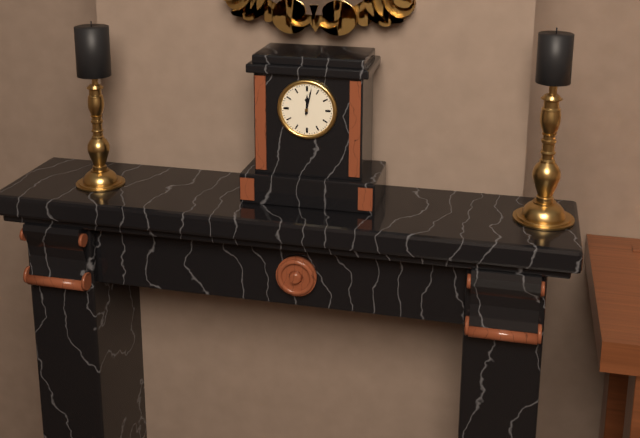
**12:02**
